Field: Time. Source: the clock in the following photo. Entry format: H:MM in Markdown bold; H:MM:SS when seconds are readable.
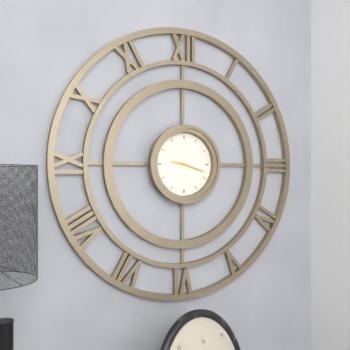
**9:18**
